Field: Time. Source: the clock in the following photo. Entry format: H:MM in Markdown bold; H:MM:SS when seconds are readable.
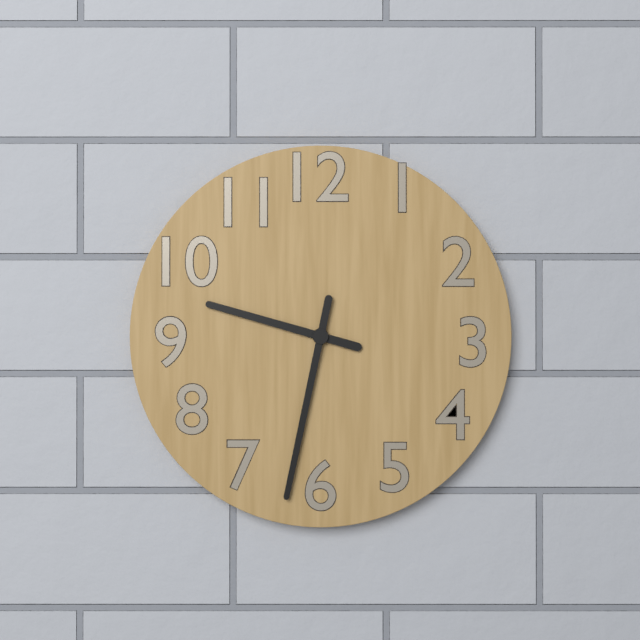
**9:32**
